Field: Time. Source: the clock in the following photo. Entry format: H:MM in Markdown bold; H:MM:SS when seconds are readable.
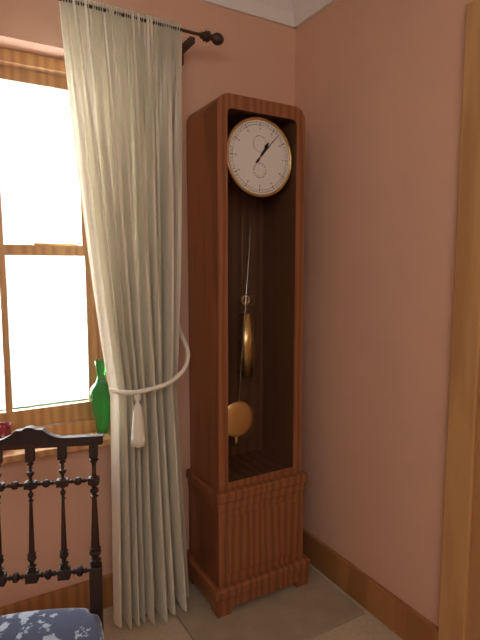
**1:07**
